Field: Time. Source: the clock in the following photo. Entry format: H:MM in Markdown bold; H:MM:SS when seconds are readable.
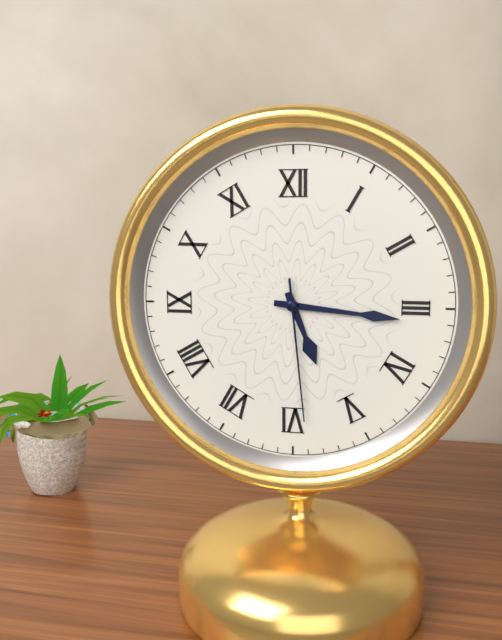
**5:16:29**
